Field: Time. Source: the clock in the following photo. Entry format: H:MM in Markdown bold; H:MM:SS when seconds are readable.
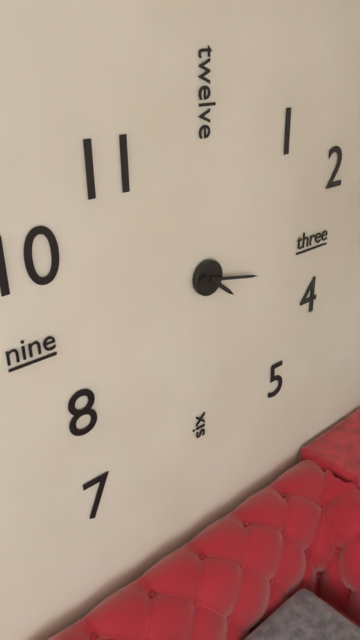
**4:17**
